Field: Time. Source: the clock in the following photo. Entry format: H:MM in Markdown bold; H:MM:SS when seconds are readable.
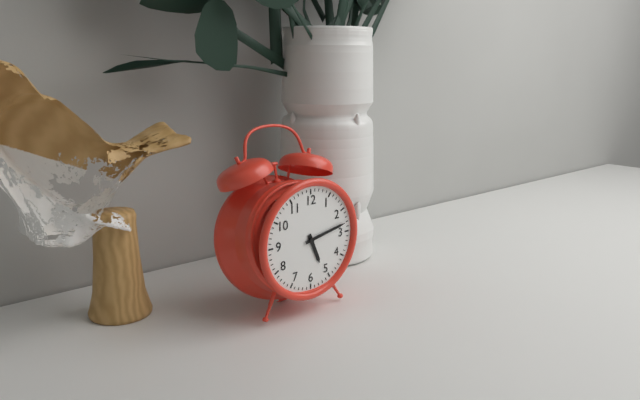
**5:13**
